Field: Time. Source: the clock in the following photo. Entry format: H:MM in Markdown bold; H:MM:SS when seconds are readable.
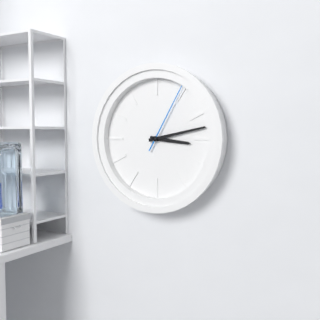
**3:13:05**
